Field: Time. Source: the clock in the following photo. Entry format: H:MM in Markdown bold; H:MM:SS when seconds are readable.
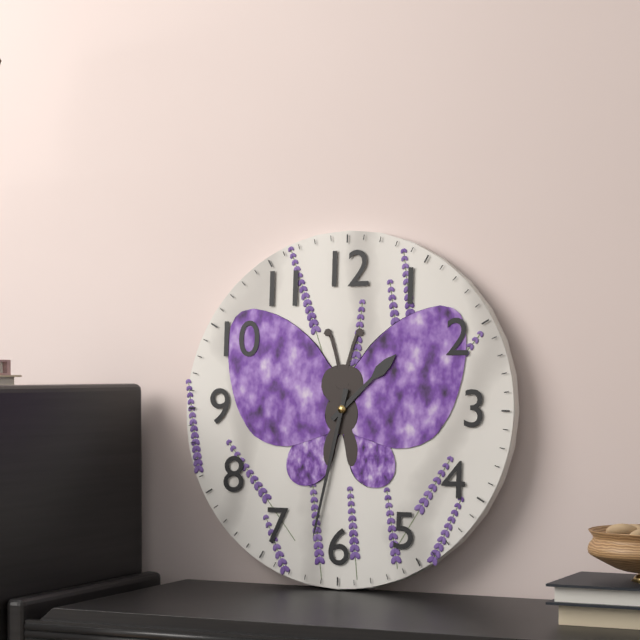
**1:32**
